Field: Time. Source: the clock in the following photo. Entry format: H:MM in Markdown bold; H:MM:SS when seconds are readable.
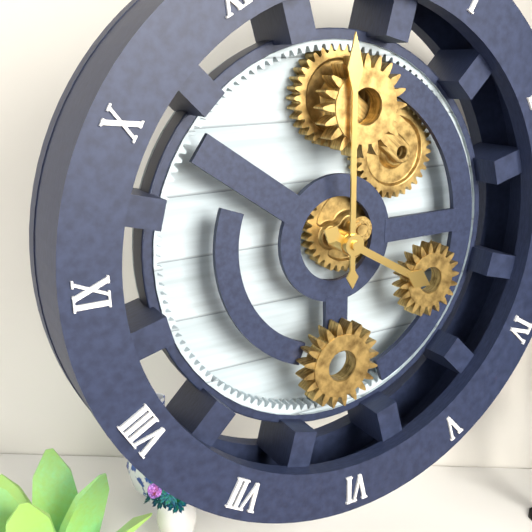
**4:00**
